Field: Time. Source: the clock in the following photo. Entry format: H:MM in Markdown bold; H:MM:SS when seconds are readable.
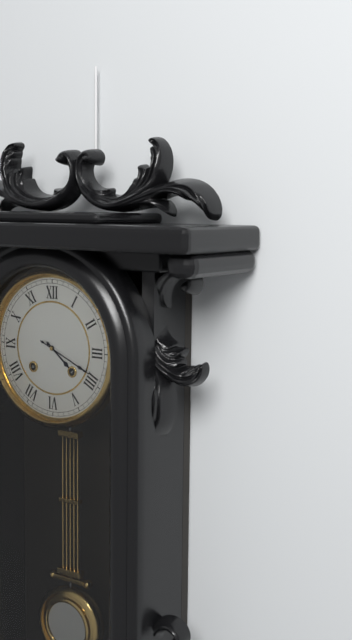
**4:19**
